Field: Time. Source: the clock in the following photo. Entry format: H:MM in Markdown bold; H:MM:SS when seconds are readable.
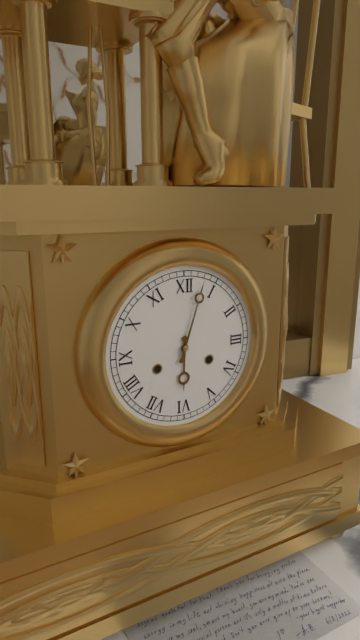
**6:03**
